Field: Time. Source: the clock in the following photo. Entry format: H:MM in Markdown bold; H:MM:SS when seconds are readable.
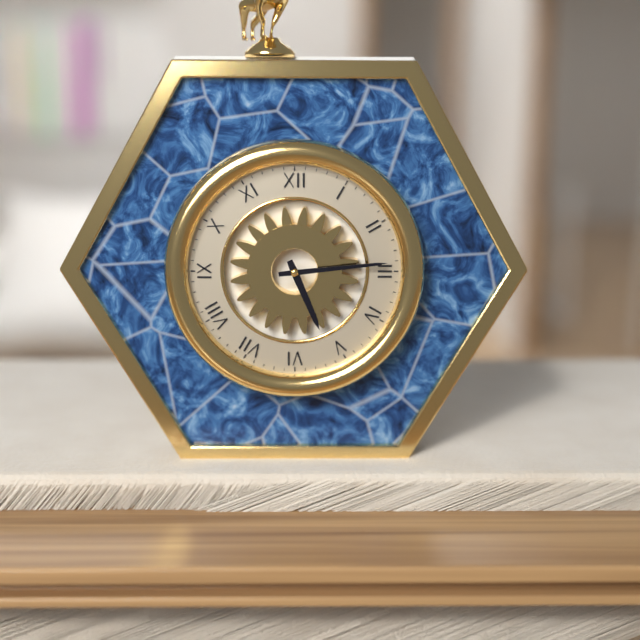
**5:14**
